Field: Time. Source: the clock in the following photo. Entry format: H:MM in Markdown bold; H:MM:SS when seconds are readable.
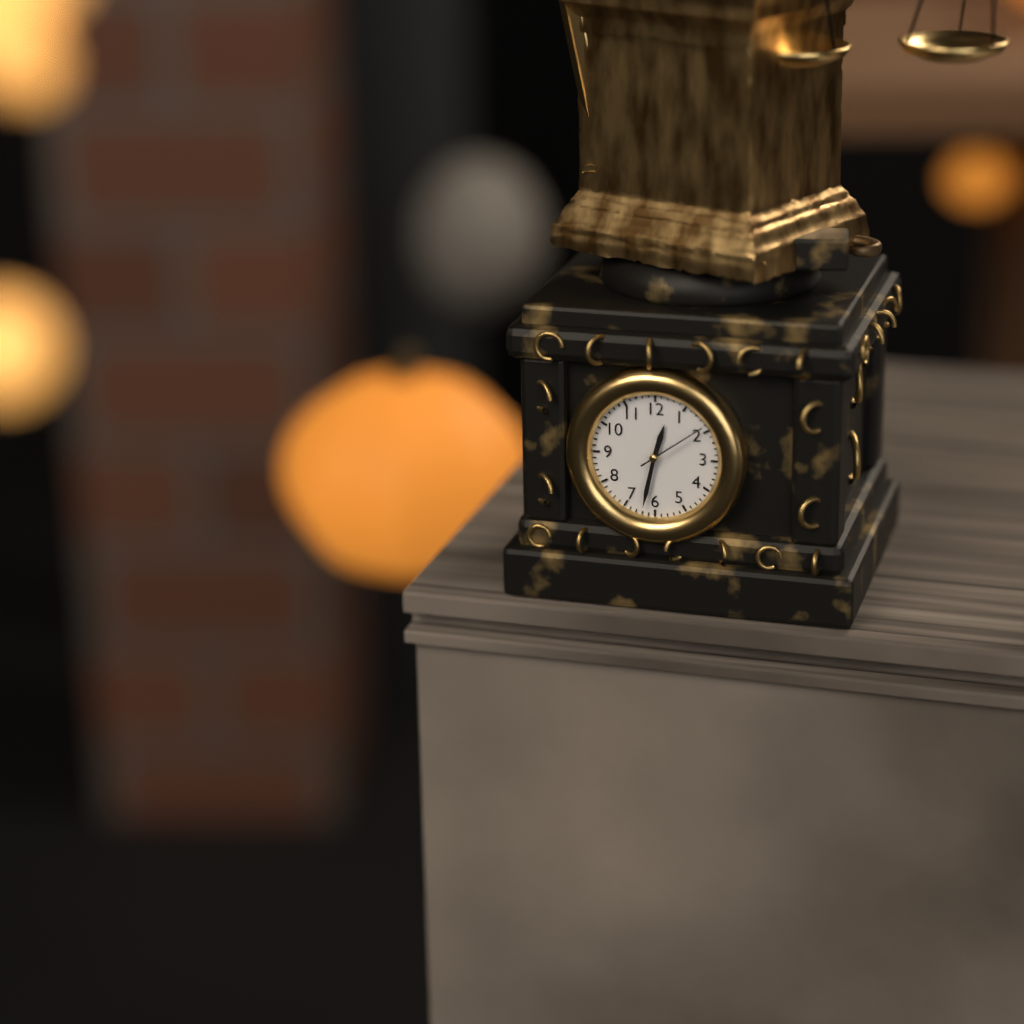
**12:32:09**
